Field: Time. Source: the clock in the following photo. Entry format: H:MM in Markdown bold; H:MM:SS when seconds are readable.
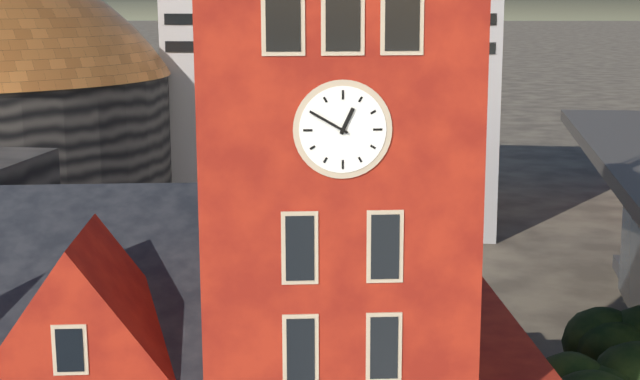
**12:50**
